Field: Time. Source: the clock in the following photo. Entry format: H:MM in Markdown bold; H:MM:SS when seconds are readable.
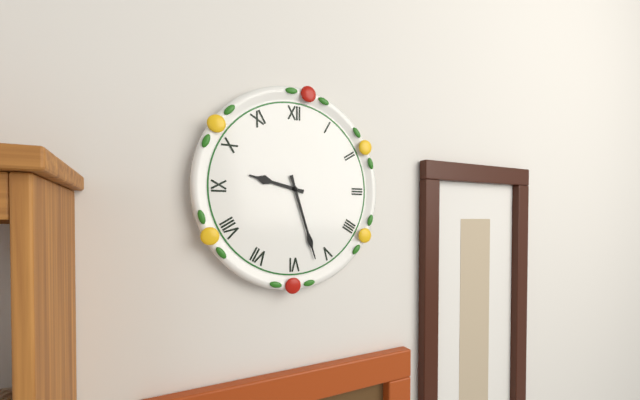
**9:27**
